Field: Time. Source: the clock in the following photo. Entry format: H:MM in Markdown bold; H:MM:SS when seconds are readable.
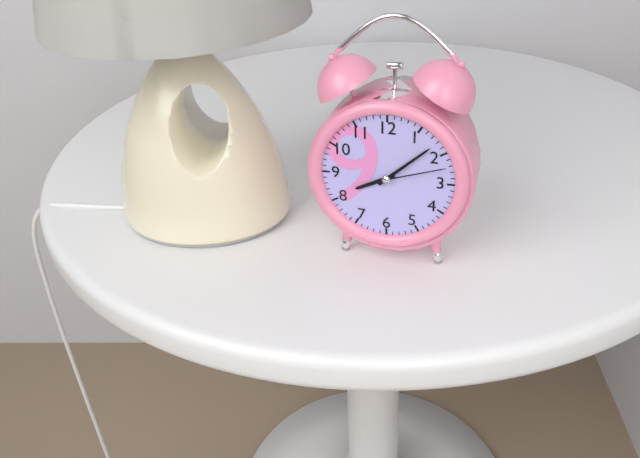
**8:08:12**
